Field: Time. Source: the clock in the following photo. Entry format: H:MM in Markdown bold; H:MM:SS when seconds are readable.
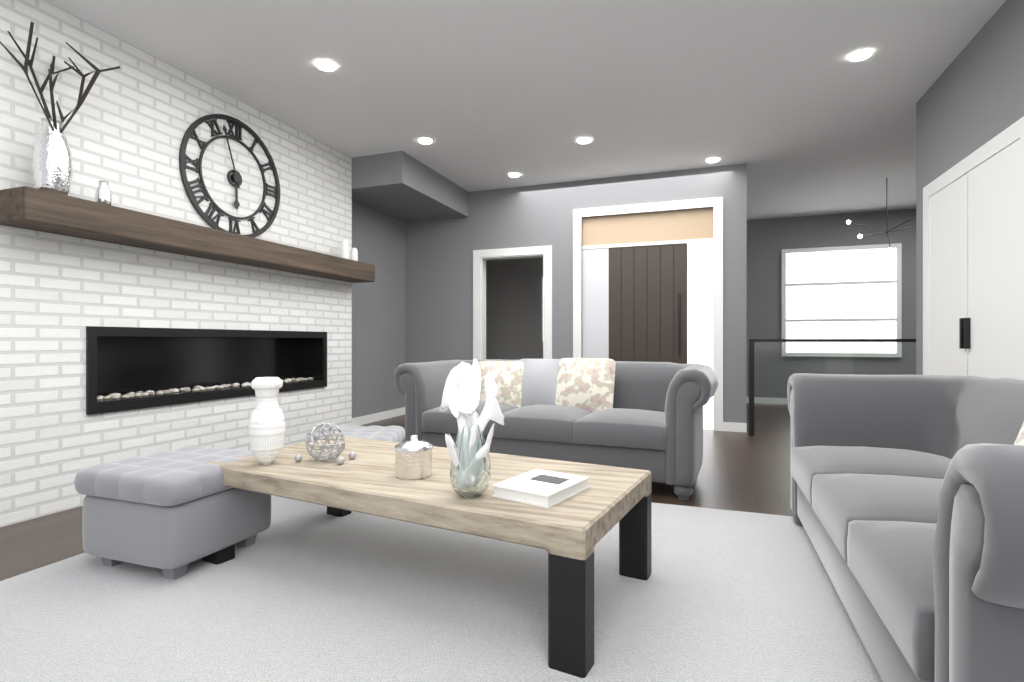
**5:57**
